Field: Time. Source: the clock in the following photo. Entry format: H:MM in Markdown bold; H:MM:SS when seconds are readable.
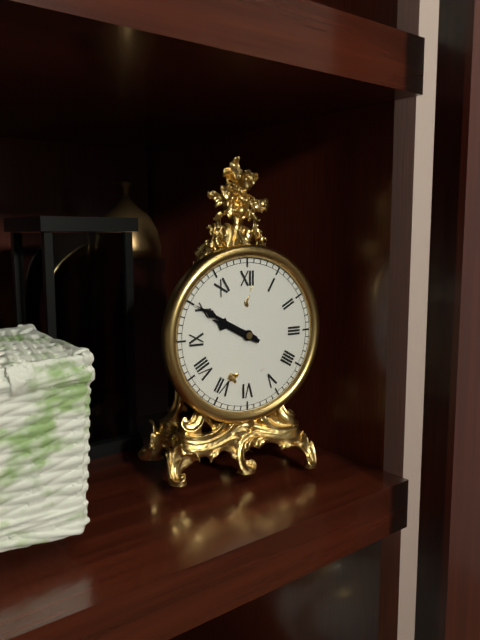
**9:50**
